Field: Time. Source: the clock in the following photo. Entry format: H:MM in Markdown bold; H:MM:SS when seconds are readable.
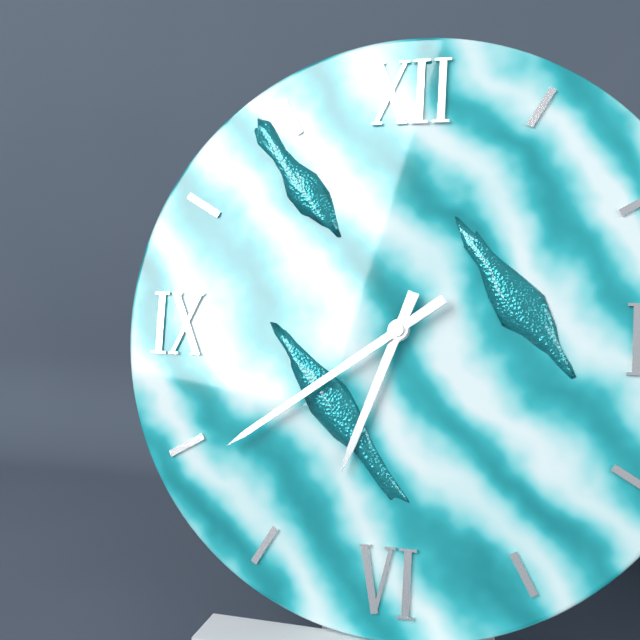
**6:39**
